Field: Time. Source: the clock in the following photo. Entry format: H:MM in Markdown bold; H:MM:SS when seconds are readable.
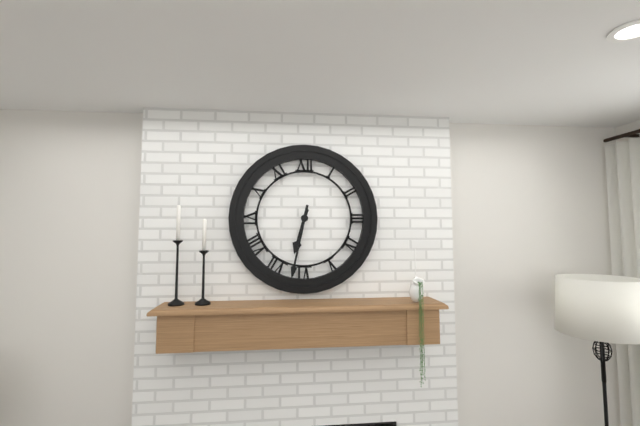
**6:32**
